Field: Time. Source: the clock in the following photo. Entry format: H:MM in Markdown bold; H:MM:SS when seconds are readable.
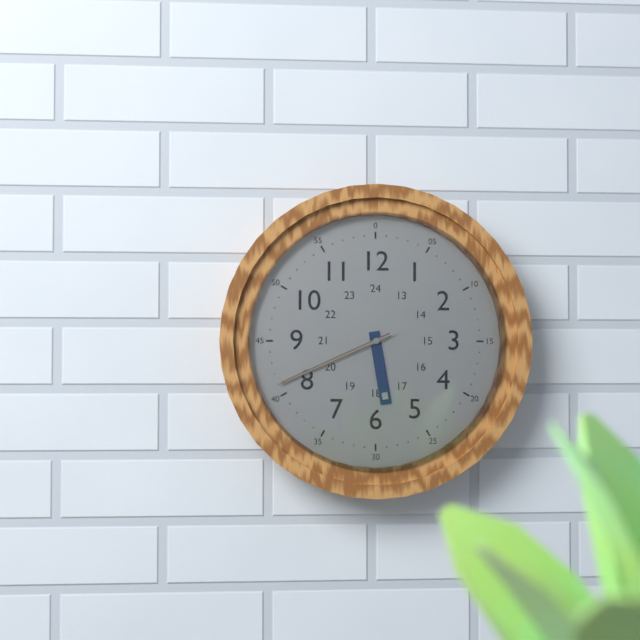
**5:41:41**
